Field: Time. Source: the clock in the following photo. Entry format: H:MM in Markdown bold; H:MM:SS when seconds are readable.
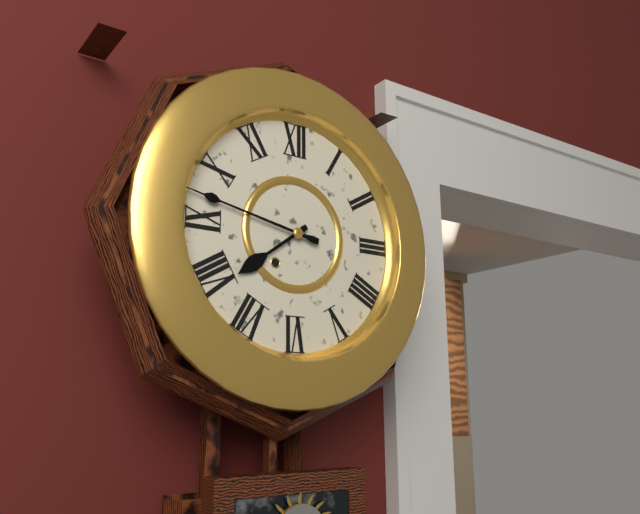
**7:47**
